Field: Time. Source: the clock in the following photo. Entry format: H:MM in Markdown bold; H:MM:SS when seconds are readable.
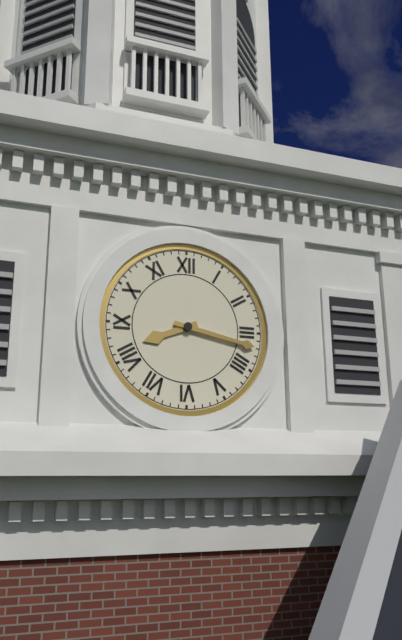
**8:17**
